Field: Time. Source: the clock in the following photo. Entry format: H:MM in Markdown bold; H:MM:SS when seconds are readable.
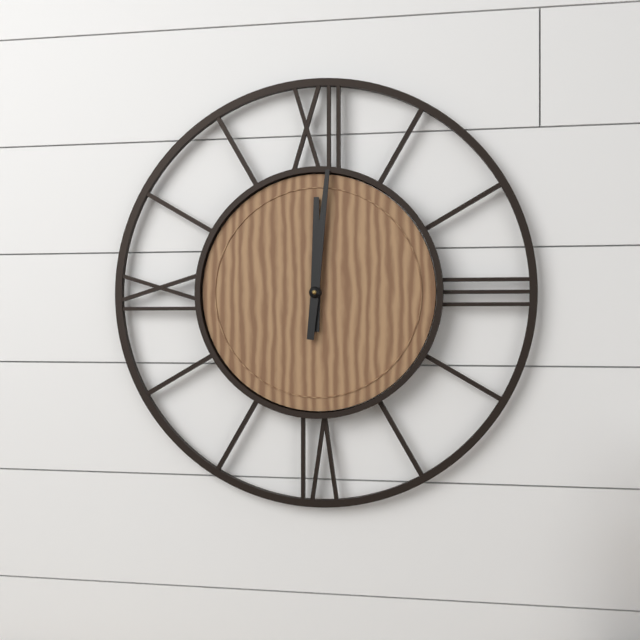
**12:01**
